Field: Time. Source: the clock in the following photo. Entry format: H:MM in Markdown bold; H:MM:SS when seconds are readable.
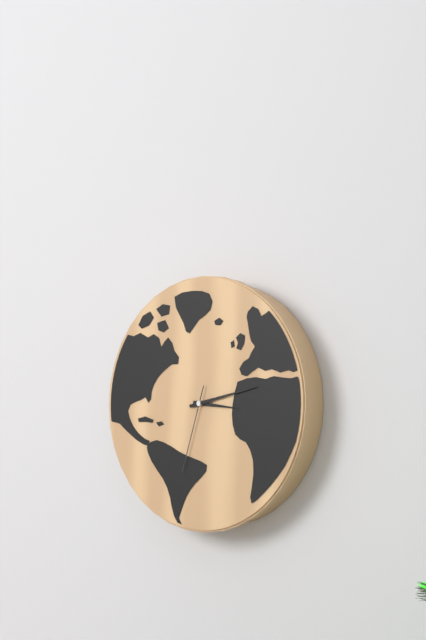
**3:13:33**
